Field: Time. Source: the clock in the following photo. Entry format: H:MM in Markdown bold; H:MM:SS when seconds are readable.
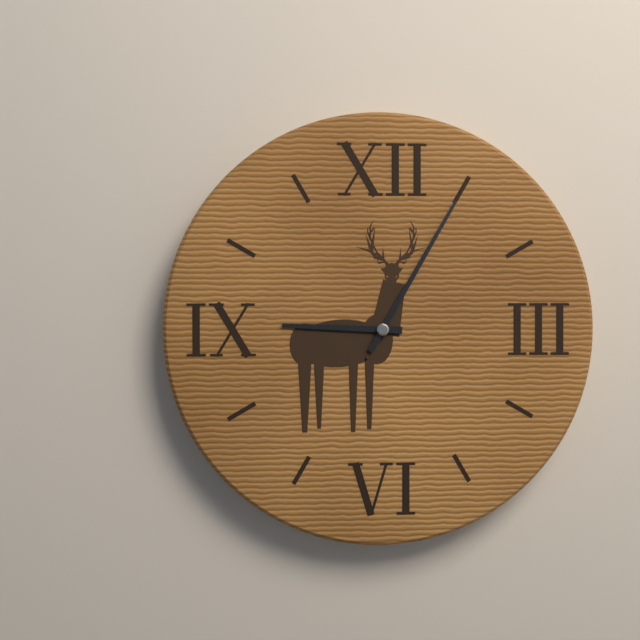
**9:05**
